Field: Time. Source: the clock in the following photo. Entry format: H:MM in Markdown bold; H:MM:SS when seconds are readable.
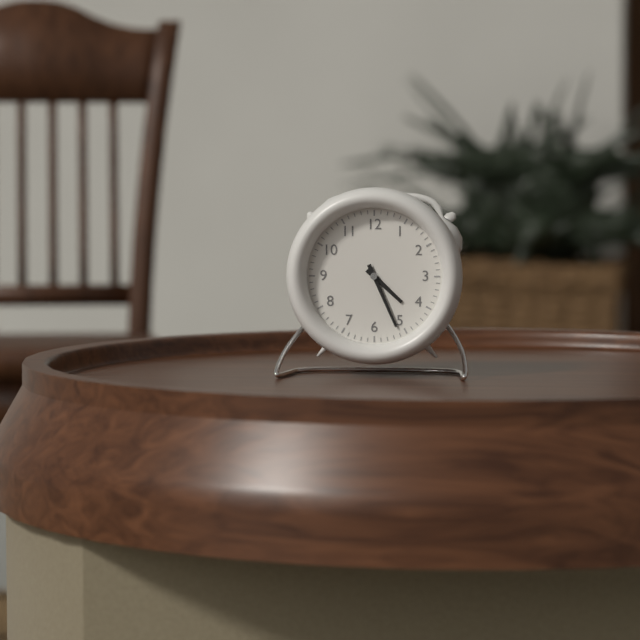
**4:26**
